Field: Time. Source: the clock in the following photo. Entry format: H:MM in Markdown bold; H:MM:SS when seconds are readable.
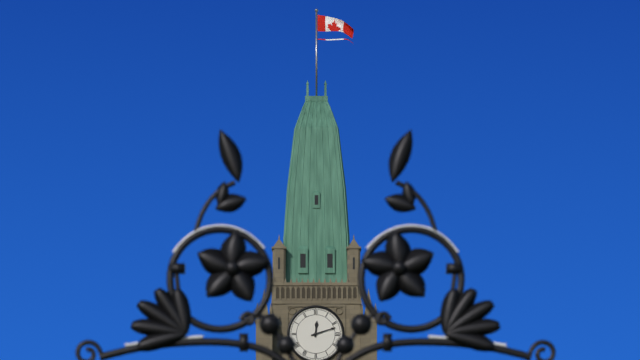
**12:12**
